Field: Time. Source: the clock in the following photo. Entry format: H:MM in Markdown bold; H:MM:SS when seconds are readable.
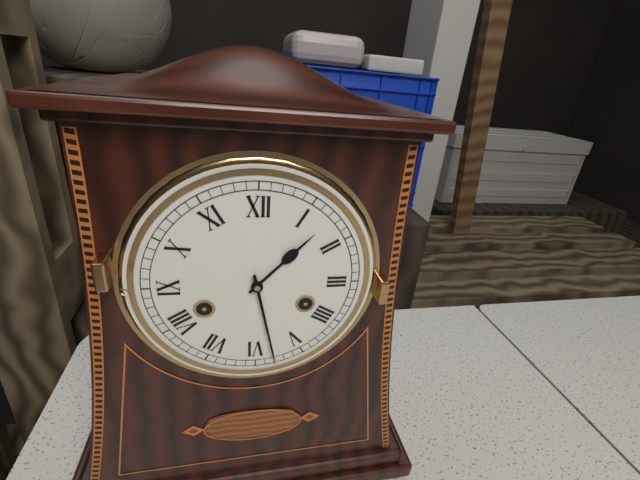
**1:28**
